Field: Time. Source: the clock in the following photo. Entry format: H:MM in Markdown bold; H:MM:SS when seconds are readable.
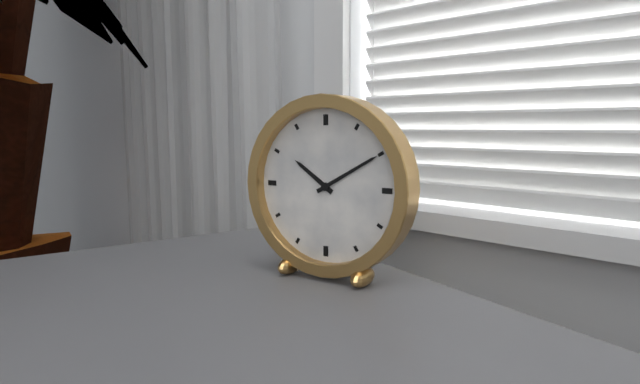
**10:10**
